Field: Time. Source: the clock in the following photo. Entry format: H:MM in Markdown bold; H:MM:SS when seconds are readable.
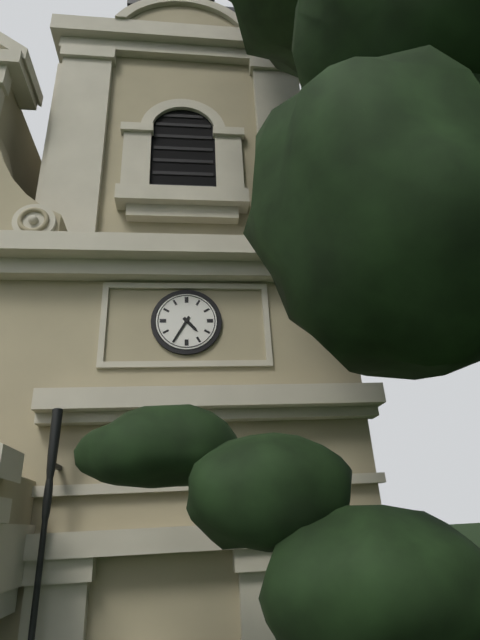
**4:35**
